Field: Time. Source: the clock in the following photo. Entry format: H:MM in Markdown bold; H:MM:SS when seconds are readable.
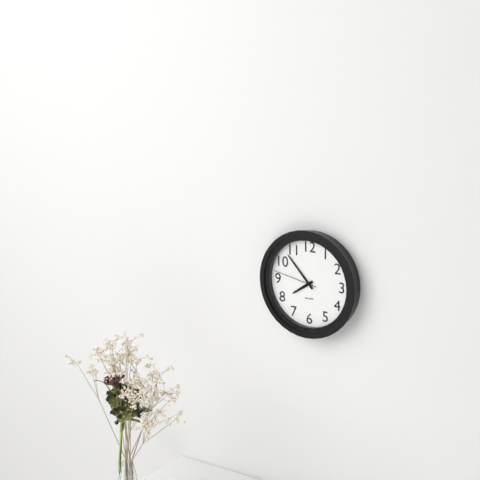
**7:53**
